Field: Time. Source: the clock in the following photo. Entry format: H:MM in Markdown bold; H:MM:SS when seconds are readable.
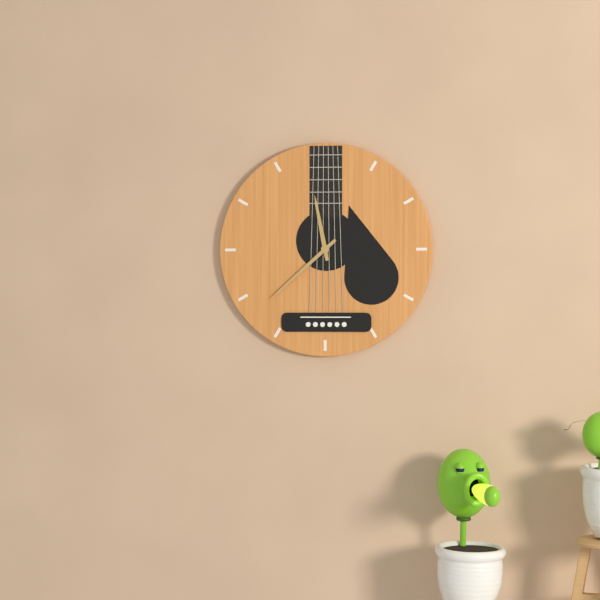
**11:38**
